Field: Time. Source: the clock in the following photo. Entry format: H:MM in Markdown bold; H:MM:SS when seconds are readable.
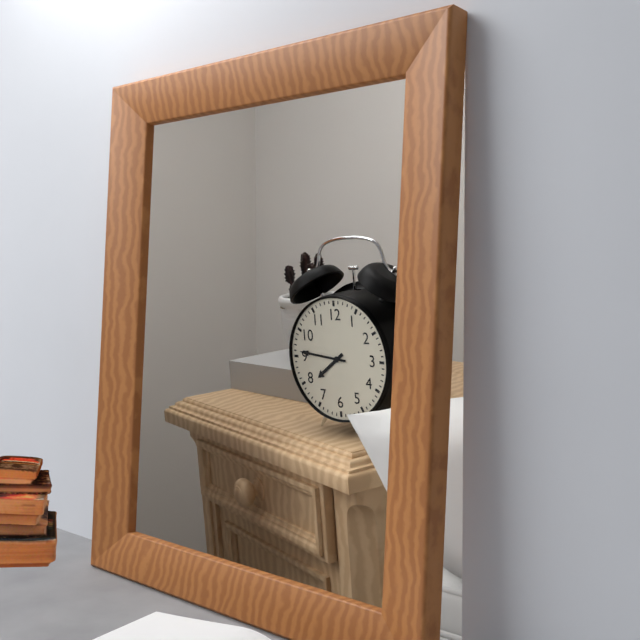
**7:46**
